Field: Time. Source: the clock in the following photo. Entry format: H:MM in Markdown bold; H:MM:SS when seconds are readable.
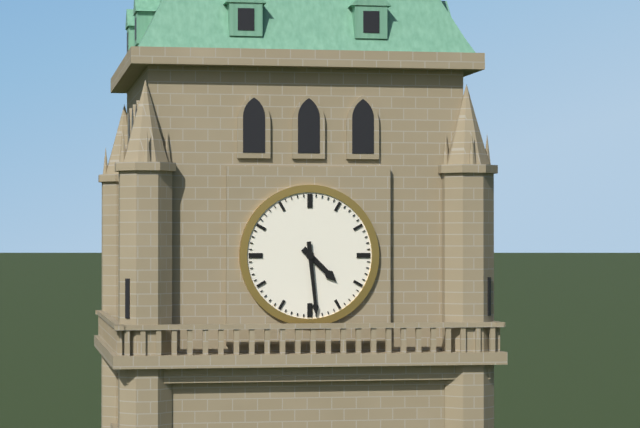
**4:29**
